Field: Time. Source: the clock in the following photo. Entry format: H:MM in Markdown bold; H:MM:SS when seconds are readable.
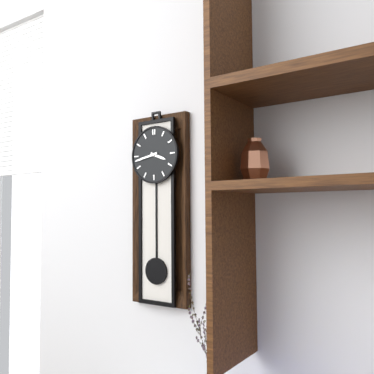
**3:43**
